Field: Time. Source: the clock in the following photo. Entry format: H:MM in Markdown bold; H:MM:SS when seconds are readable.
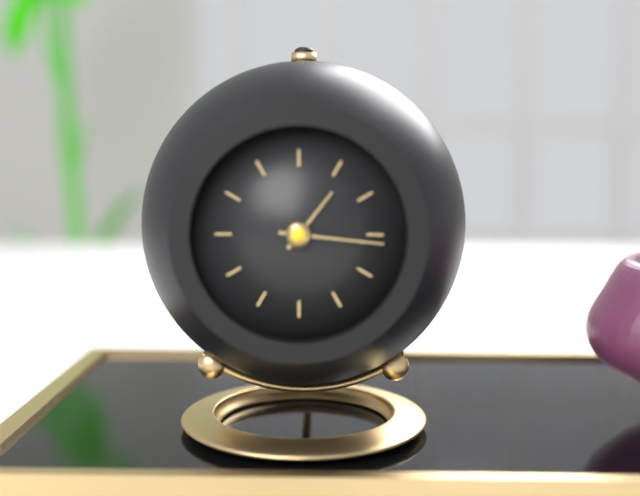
**1:16**
